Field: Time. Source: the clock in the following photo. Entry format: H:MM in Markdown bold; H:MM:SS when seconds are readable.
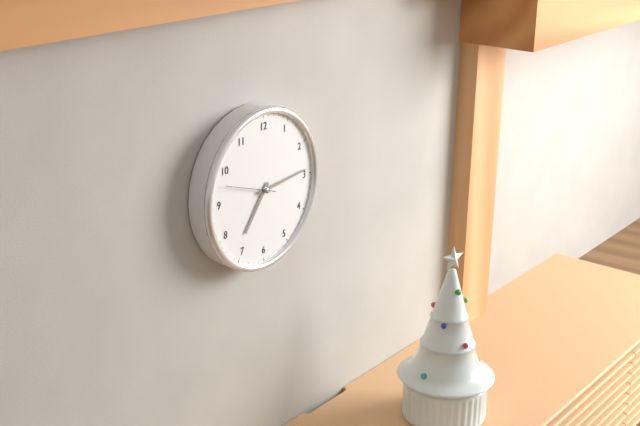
**7:14:48**
